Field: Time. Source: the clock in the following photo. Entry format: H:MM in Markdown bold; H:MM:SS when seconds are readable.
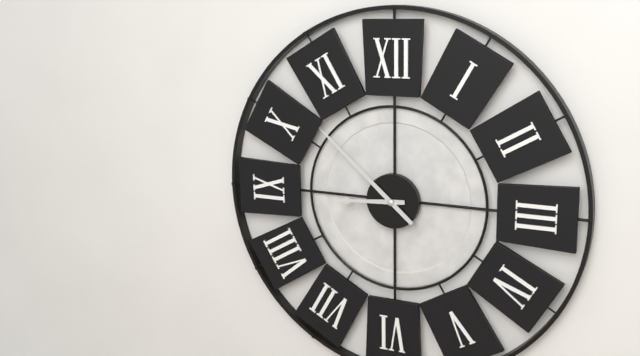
**8:52**
